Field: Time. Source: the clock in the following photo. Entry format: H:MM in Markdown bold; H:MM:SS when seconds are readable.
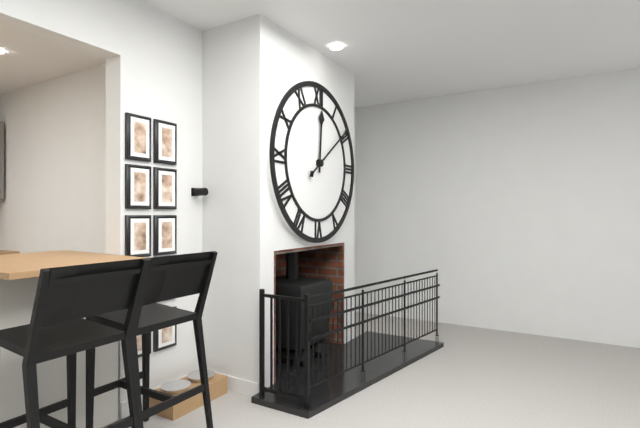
**12:09**
